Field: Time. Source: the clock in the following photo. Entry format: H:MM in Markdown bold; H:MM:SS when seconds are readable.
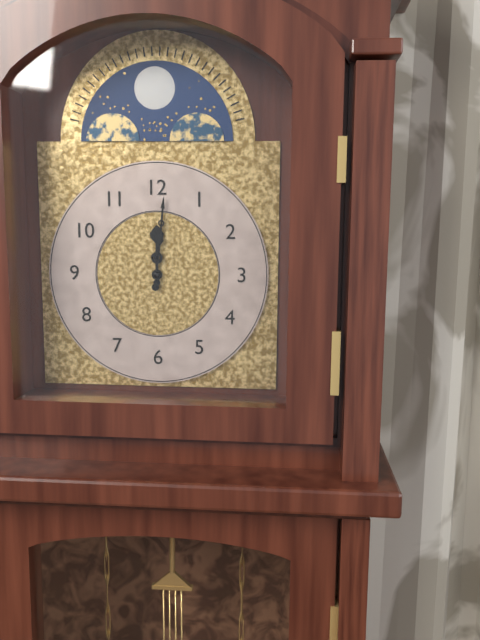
**12:01**
